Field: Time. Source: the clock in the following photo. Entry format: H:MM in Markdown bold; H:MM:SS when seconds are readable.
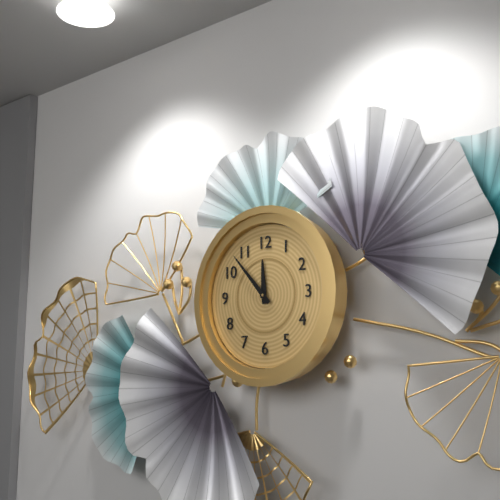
**11:53**
